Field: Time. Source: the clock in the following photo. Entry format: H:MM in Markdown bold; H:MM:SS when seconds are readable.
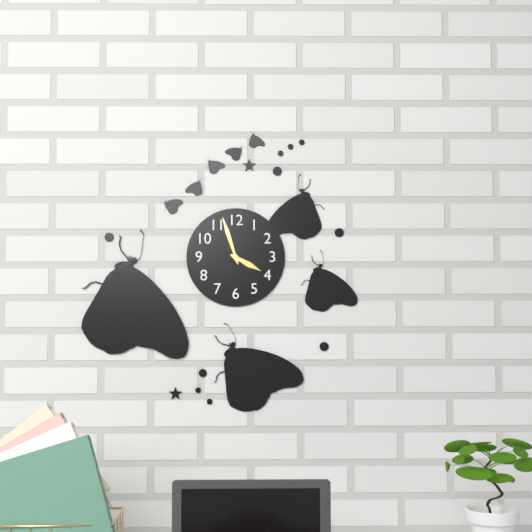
**3:57**
